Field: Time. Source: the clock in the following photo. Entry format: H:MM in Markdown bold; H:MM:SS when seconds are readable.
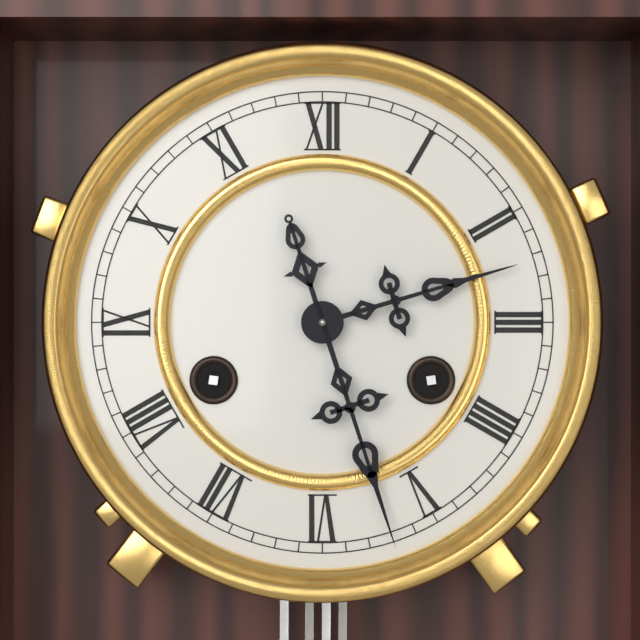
**2:27**
